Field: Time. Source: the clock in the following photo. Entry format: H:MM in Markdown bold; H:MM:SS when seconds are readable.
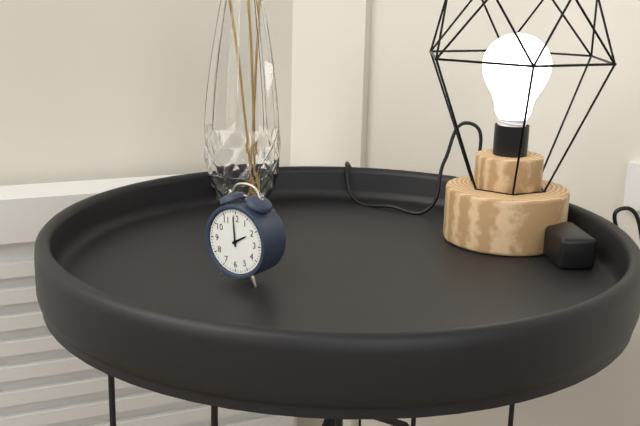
**1:59**
